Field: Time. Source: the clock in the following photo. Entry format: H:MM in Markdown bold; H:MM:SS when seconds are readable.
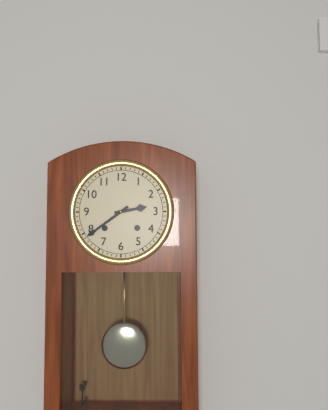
**2:39**
